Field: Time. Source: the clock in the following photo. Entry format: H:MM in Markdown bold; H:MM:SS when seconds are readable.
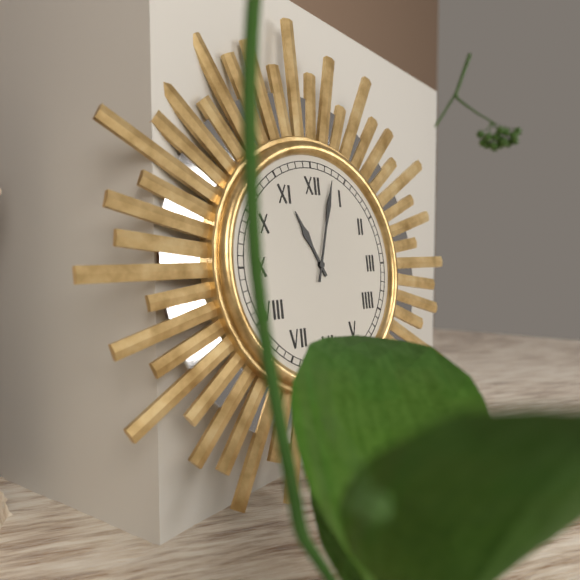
**11:03**
